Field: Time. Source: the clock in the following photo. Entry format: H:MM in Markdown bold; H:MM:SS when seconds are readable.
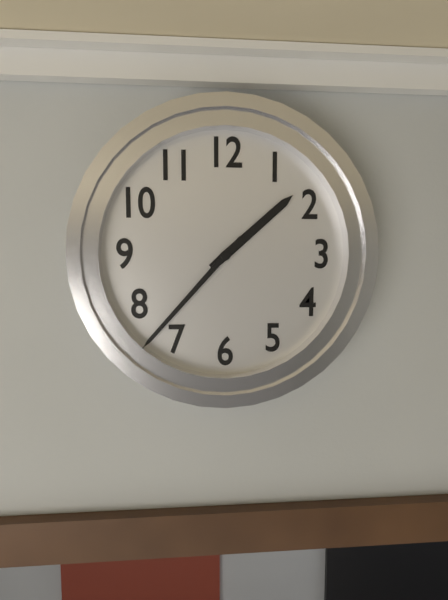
**1:37**
